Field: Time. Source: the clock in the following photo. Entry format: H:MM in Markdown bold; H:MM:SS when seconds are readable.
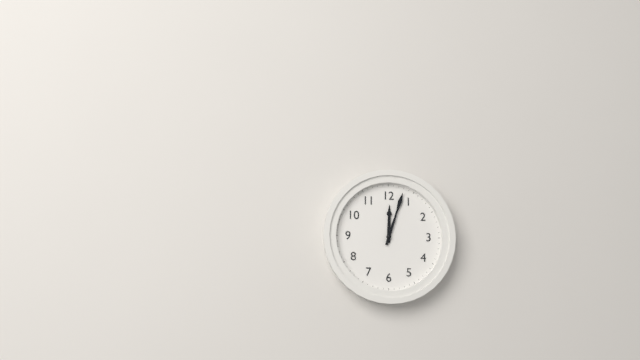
**12:03**
